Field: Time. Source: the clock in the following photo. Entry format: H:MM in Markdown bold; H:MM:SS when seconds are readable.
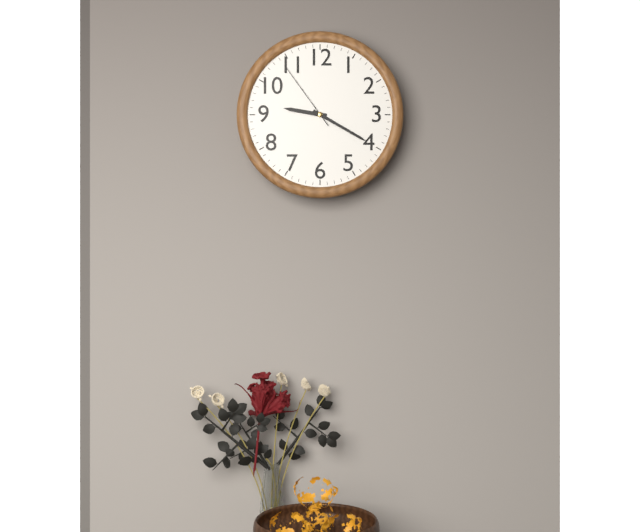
**9:20:54**
